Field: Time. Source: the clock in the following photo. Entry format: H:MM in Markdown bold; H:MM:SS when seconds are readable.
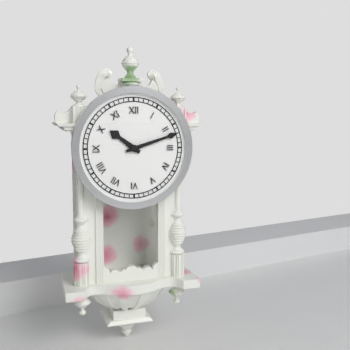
**10:12**
